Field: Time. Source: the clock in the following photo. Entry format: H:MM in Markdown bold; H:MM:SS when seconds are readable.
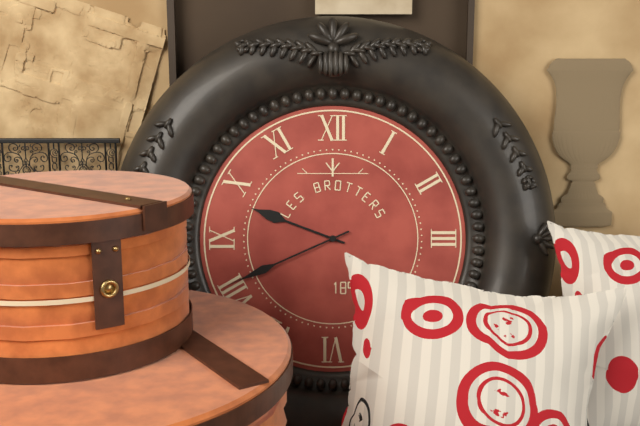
**9:41**
